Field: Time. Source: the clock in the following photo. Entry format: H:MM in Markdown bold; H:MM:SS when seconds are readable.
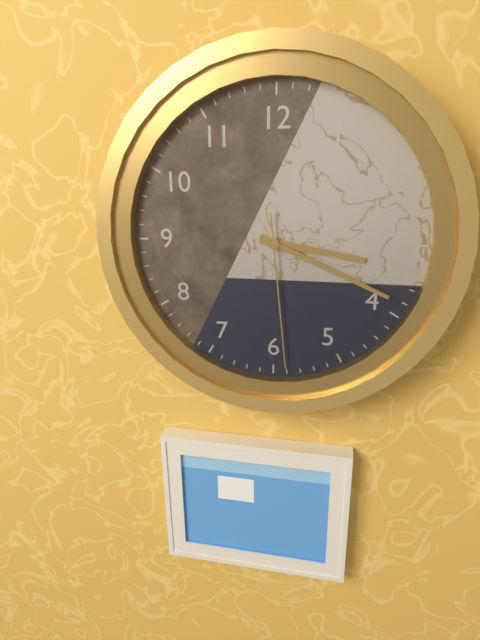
**3:19:29**
